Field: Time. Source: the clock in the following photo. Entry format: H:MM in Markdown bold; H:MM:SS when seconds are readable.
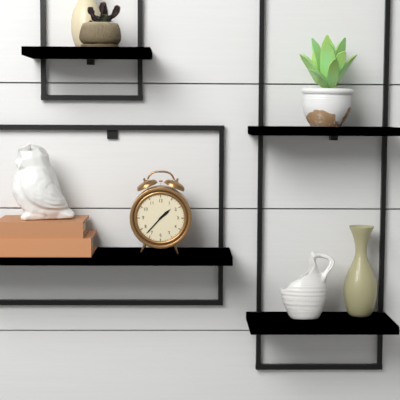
**1:37**
